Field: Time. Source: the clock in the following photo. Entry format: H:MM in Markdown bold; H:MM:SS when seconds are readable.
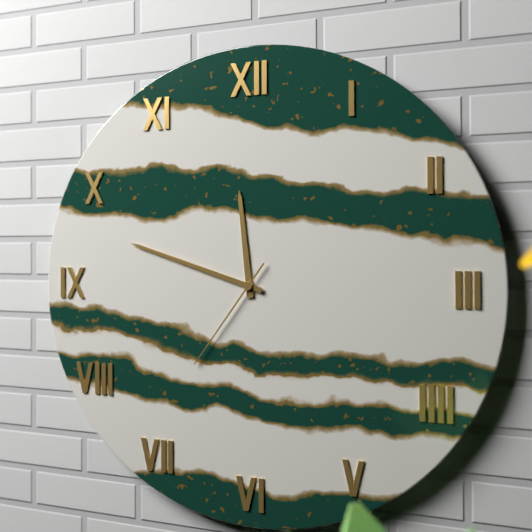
**11:48:36**
